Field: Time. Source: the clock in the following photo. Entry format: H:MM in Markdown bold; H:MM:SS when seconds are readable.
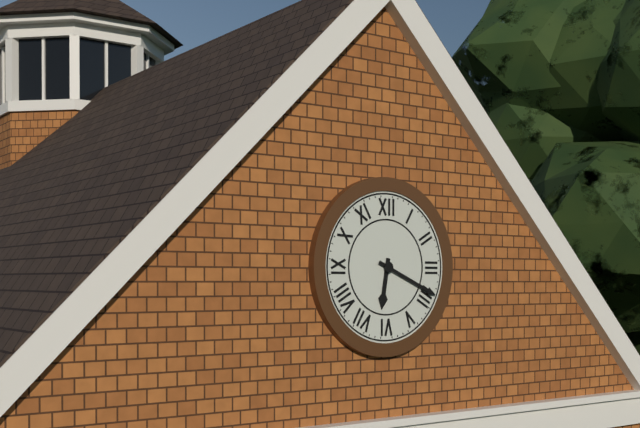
**6:19**
